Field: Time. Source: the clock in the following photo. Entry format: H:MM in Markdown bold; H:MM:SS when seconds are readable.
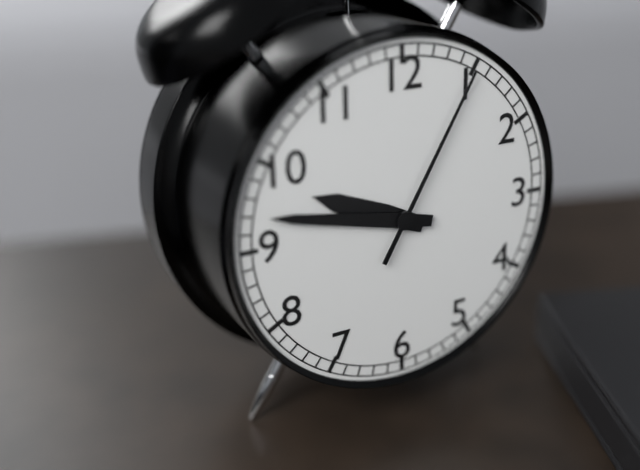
**9:47:05**
